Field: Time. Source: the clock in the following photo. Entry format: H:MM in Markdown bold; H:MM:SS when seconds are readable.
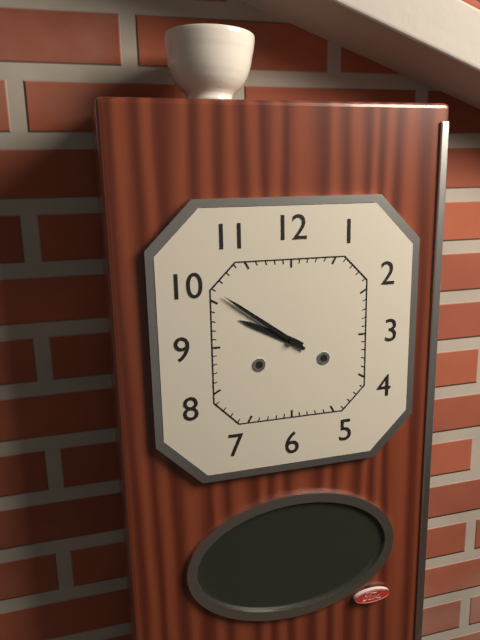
**9:51**
